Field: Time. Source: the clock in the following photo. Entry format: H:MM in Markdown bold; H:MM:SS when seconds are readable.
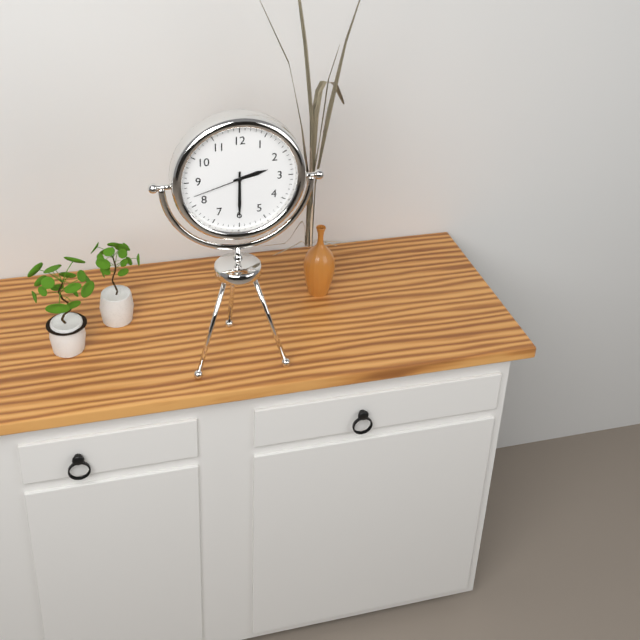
**2:30:42**
